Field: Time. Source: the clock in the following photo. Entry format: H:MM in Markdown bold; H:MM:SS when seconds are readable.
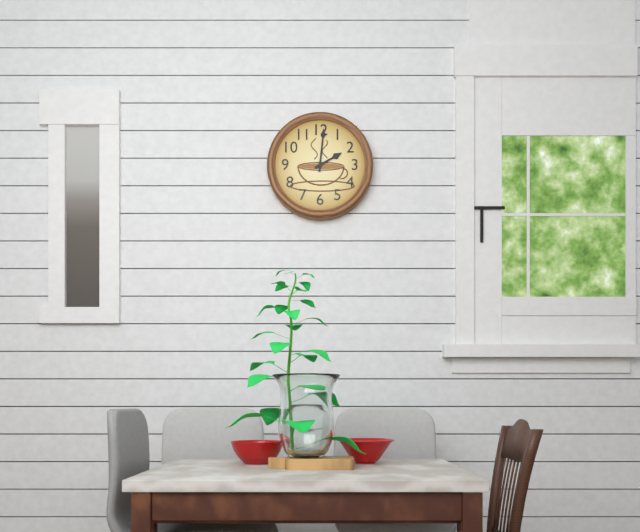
**2:01**
